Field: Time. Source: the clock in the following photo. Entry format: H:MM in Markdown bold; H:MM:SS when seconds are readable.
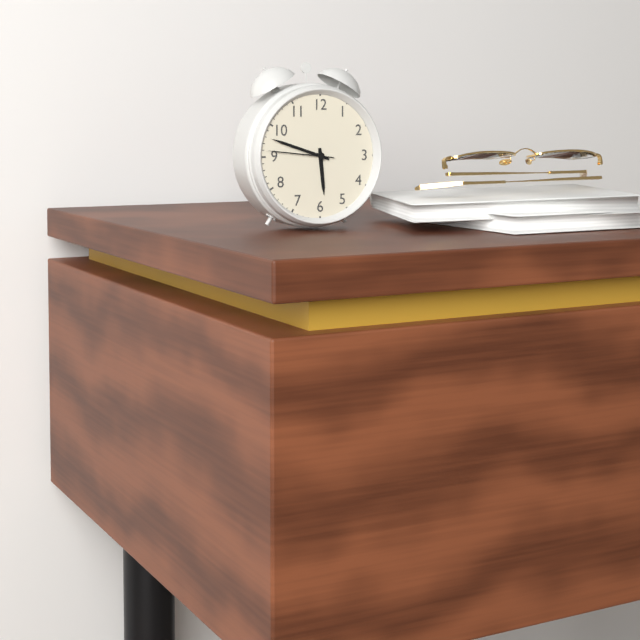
**5:48:46**
